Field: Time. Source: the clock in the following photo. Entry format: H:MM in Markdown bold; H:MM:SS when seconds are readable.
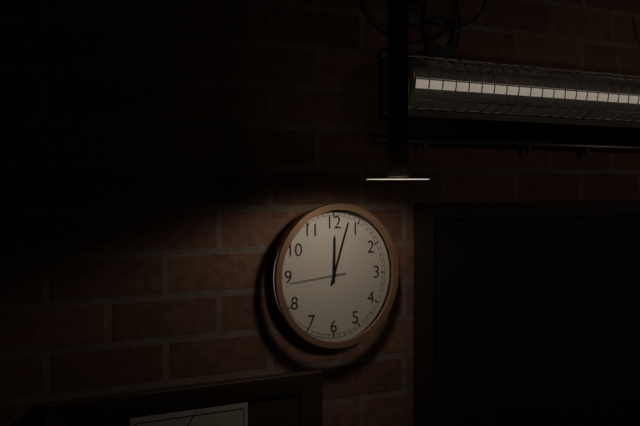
**12:03:44**
